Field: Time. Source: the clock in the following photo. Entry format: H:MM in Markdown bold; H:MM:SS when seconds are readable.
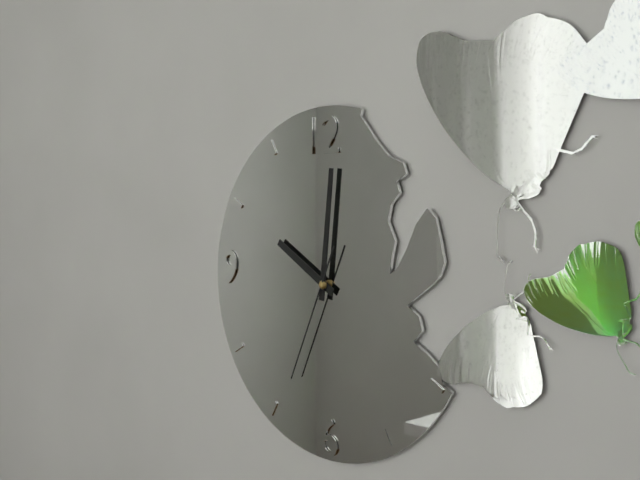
**10:01:34**
